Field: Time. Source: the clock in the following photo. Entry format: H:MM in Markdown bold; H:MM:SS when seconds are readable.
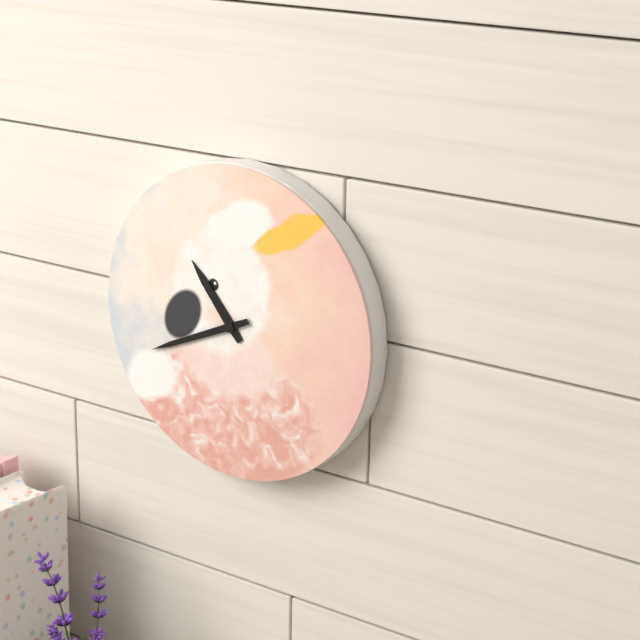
**10:41**
